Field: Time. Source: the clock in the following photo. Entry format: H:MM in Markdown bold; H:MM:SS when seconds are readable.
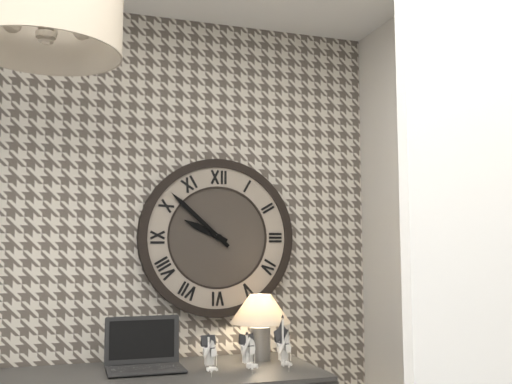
**9:52**
